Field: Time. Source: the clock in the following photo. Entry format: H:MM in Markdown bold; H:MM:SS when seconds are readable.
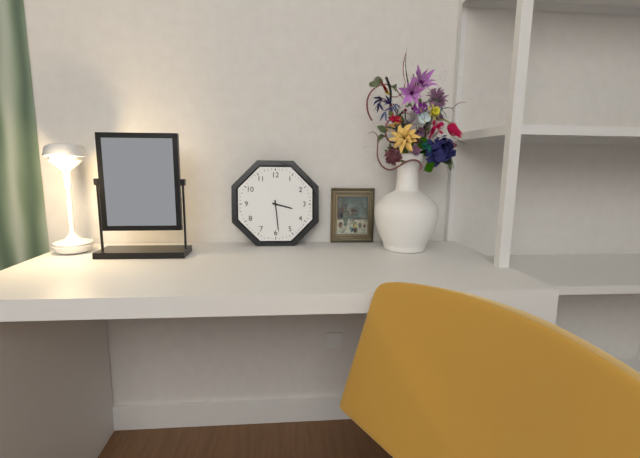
**3:29**
